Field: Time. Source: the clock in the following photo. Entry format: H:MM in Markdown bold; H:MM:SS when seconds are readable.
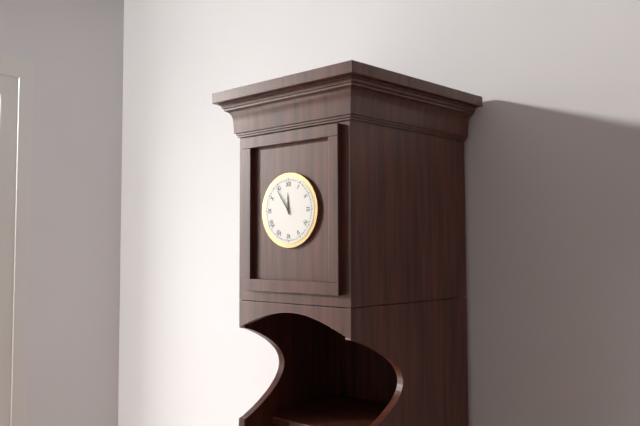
**11:54**
